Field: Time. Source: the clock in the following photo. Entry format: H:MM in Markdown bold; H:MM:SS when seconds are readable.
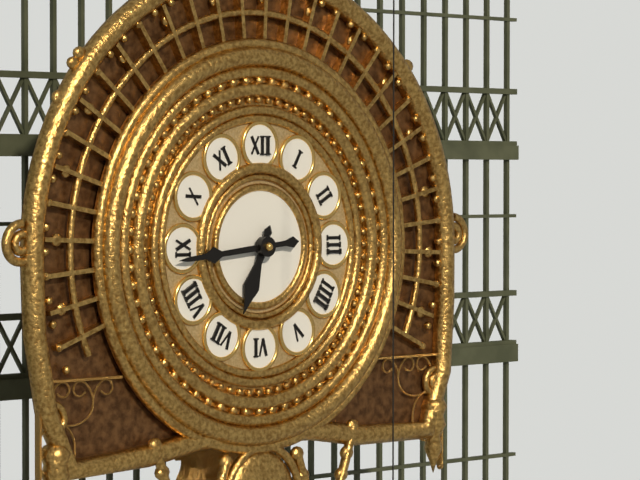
**6:44**
